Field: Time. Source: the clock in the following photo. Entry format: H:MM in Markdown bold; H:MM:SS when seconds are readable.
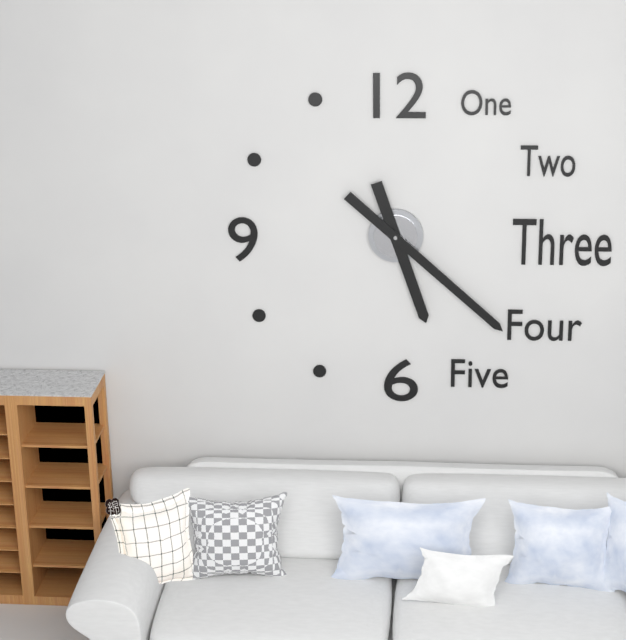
**5:22**
